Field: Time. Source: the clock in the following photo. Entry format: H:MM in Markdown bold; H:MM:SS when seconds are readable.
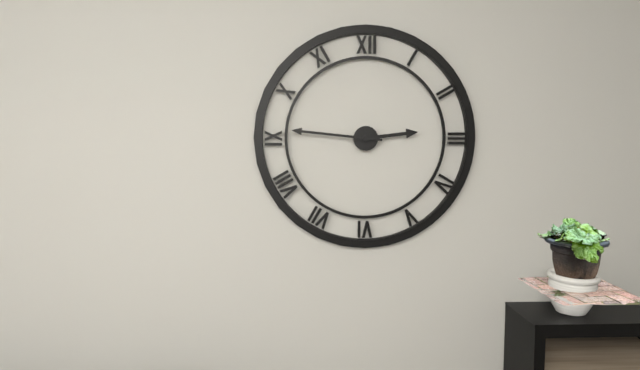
**2:46**
